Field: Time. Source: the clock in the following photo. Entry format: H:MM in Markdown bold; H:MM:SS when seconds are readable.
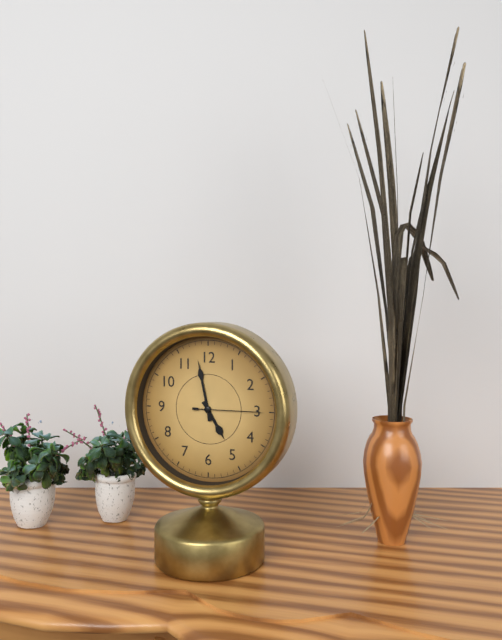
**4:58:15**
